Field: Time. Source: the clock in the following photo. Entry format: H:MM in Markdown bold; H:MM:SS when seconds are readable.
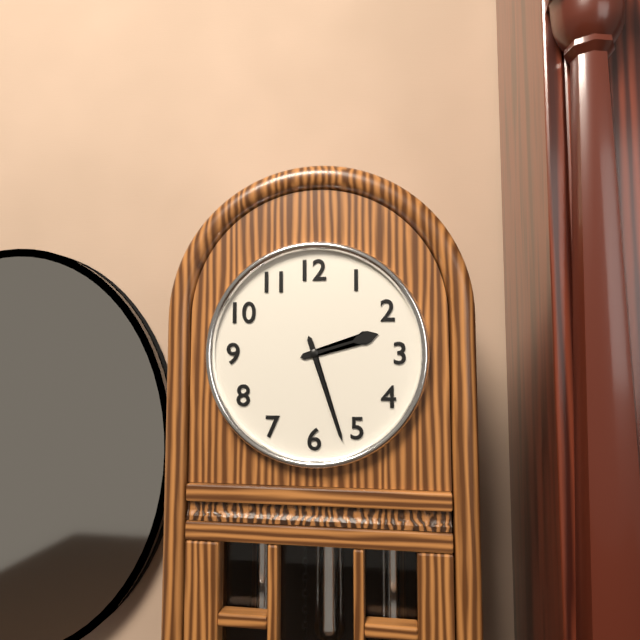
**2:27**
